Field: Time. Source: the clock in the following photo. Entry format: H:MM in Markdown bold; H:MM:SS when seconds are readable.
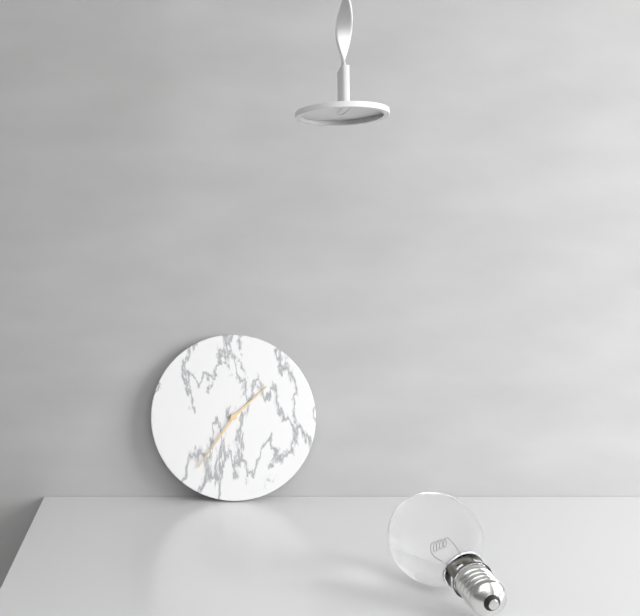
**1:36**
